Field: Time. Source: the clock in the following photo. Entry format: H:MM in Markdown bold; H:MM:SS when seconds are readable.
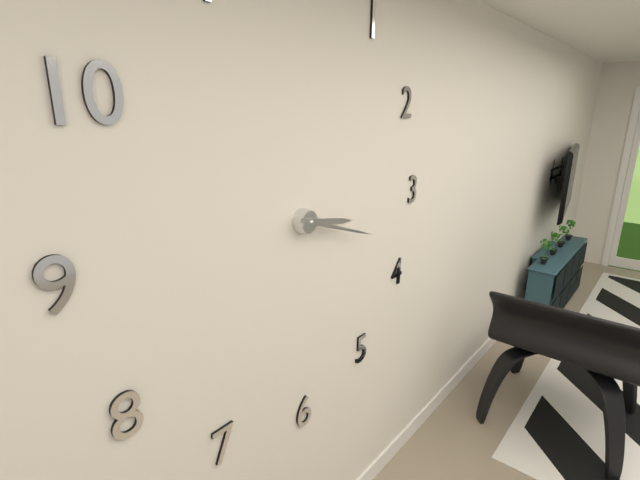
**3:18**
